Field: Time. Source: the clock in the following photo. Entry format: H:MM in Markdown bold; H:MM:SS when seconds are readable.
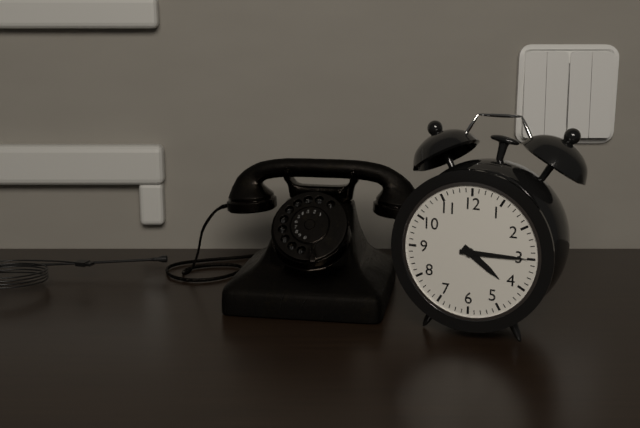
**4:15**
